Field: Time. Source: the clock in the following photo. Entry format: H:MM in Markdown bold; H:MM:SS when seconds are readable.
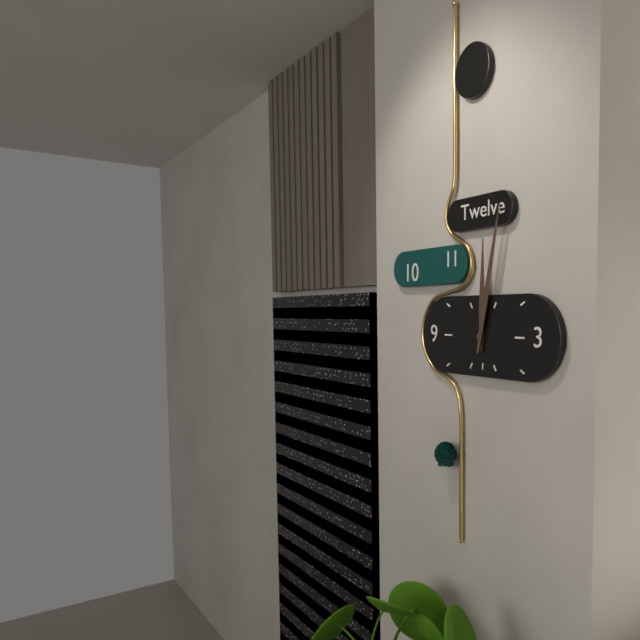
**12:02**
